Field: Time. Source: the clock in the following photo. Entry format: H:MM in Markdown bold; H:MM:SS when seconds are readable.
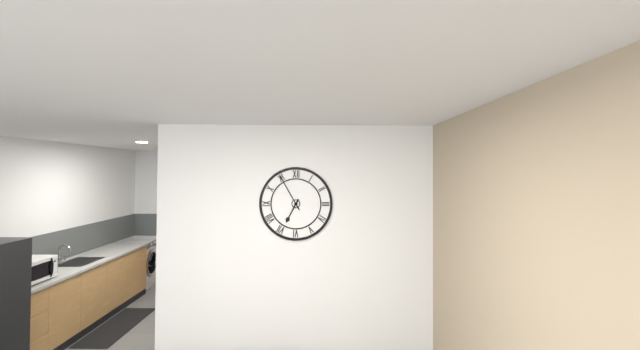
**6:55**
